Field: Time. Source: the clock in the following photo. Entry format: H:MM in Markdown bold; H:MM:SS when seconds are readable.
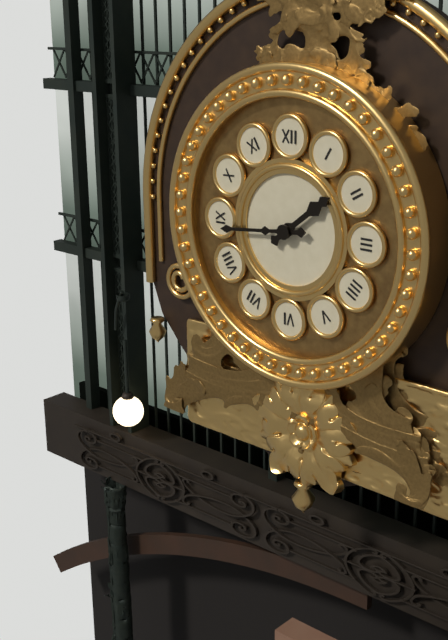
**1:44**
